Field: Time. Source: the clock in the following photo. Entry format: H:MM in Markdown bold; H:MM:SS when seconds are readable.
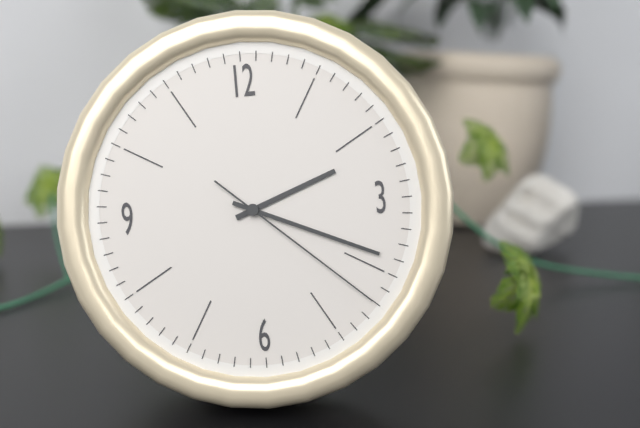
**2:19:22**
